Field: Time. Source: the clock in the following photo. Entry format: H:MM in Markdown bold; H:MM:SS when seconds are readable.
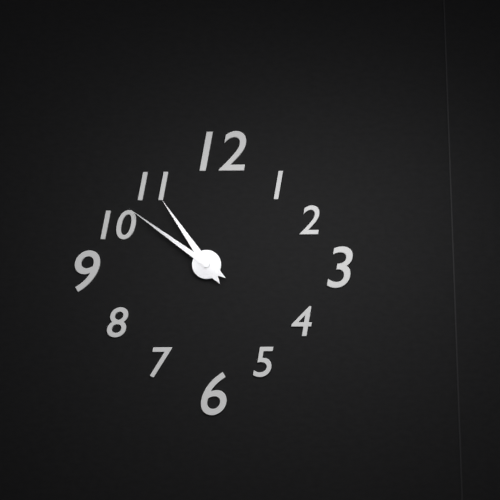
**10:51**
